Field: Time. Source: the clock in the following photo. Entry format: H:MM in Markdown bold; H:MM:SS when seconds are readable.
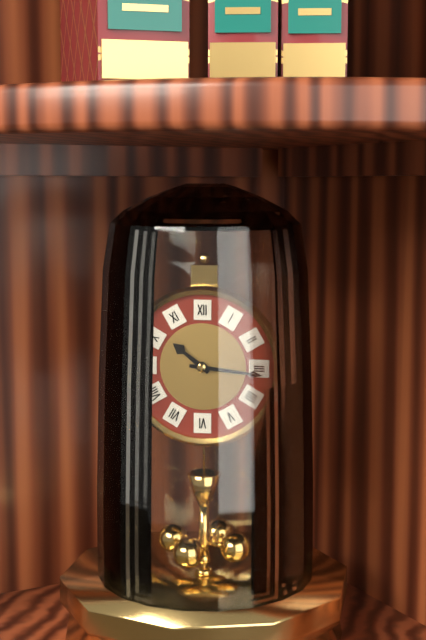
**10:16**
